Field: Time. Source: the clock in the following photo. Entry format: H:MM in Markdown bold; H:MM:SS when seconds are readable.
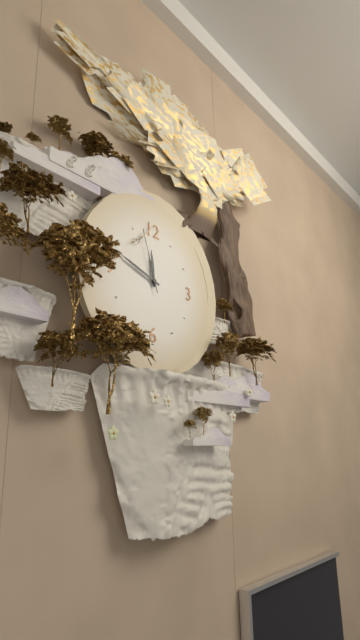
**11:48:57**
